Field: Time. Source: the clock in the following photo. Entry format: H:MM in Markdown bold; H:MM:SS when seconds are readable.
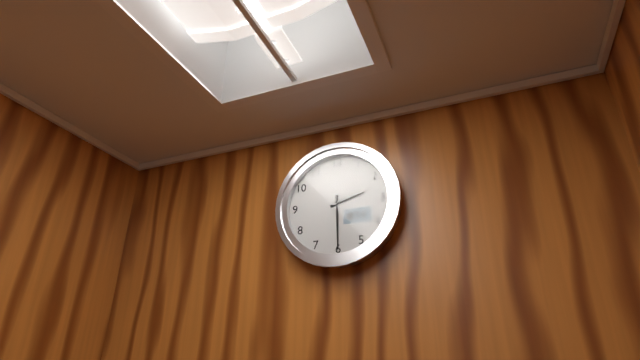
**2:30**
